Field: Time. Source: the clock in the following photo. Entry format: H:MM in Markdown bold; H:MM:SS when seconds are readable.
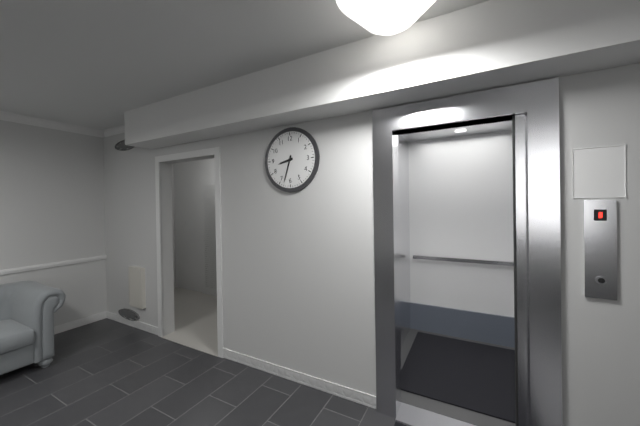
**8:33**
